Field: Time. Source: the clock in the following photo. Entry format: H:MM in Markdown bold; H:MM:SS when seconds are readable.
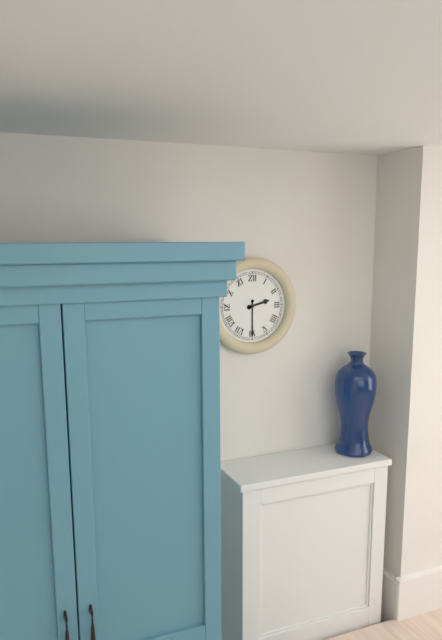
**2:30**
